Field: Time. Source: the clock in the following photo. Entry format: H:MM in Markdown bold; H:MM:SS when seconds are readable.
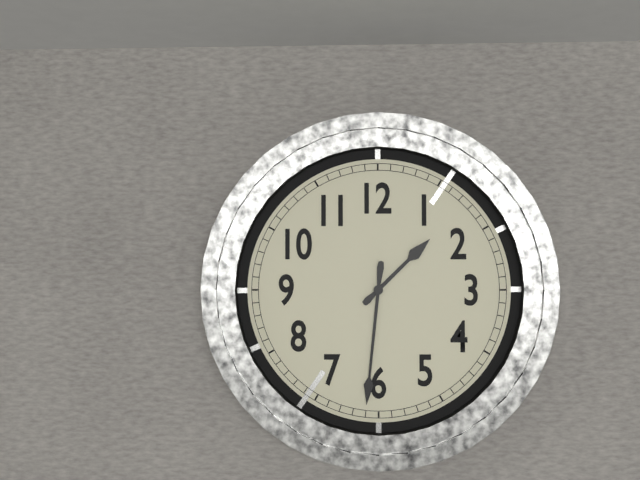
**1:31**
